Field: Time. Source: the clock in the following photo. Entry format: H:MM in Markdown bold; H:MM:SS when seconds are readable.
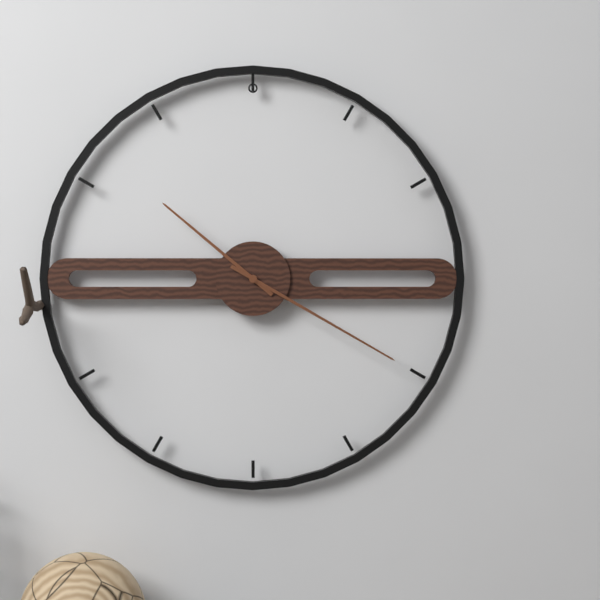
**10:20**
